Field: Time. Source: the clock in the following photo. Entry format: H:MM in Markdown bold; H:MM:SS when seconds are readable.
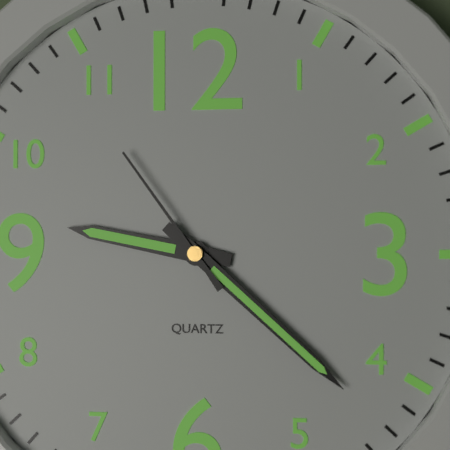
**9:22:54**
